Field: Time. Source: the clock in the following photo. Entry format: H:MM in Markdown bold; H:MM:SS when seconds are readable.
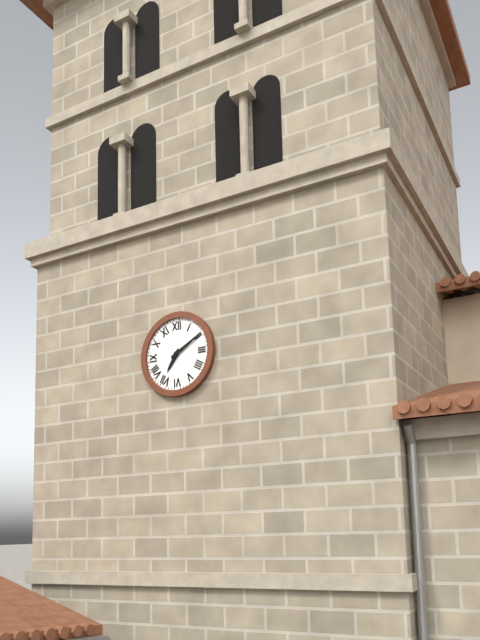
**7:10**
